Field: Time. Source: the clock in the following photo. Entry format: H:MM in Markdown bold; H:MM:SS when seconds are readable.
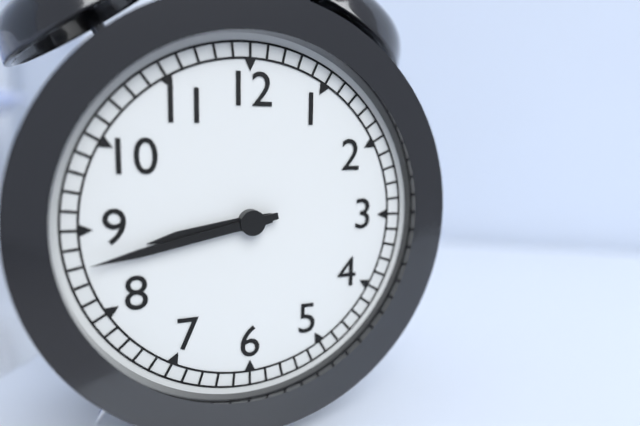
**8:43**
